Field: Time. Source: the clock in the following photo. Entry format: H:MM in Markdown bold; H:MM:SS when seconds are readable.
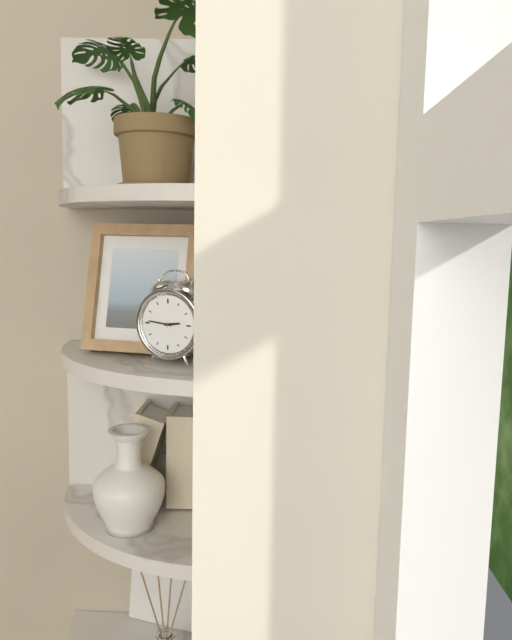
**2:46**
